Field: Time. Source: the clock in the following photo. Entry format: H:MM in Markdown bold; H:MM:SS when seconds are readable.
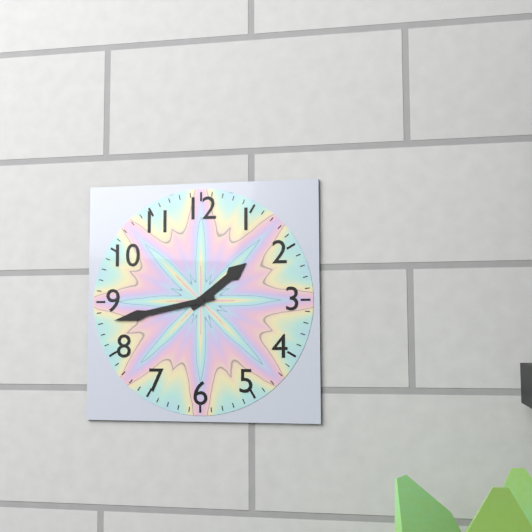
**1:43**
